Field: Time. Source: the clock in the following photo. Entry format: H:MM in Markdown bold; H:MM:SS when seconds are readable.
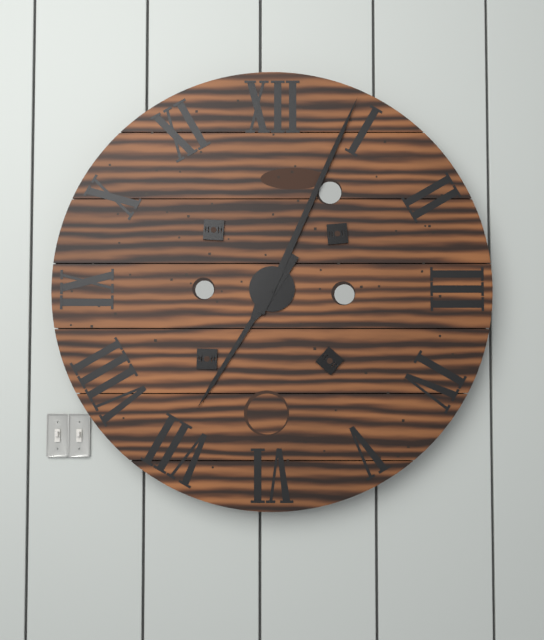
**7:04**
